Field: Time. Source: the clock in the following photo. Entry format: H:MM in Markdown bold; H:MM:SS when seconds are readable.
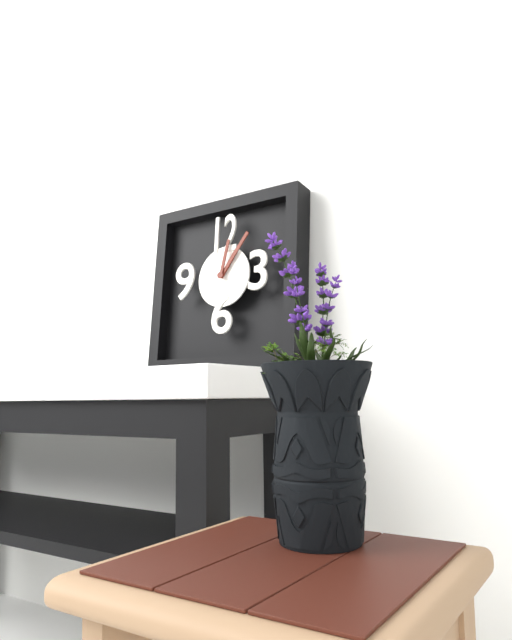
**1:06**
